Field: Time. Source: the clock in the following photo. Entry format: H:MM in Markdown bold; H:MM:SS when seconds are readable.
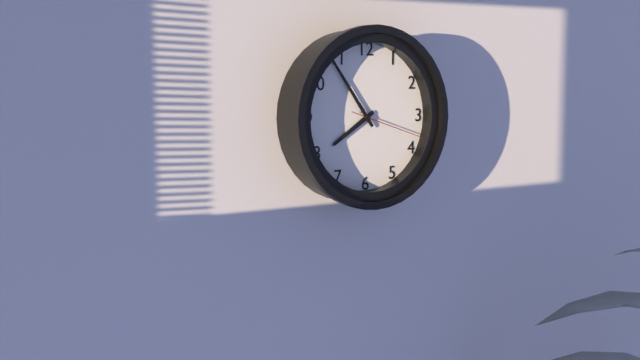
**7:54:18**
